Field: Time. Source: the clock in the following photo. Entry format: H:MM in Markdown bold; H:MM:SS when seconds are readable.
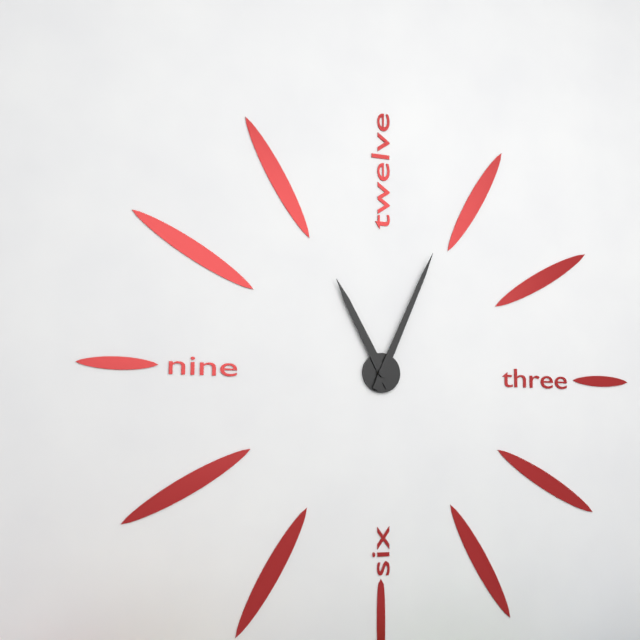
**11:04**
